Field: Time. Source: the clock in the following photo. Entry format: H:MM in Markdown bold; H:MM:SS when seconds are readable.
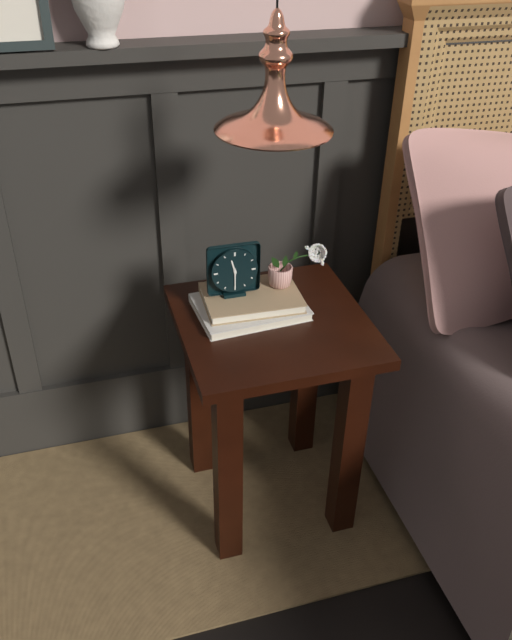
**11:30**
